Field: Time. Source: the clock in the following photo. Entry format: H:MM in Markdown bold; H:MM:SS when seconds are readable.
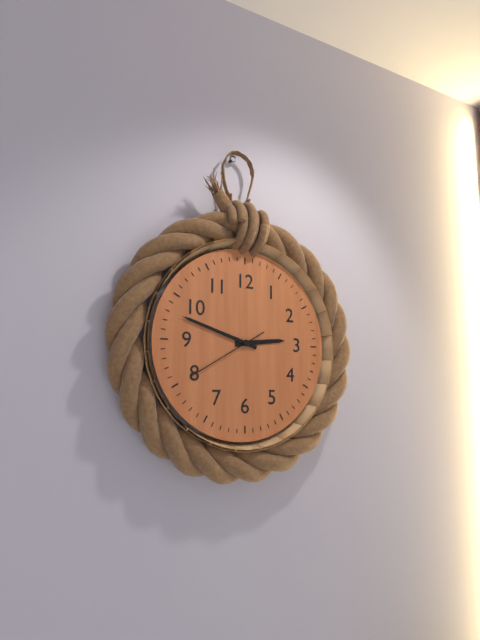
**2:48:40**
